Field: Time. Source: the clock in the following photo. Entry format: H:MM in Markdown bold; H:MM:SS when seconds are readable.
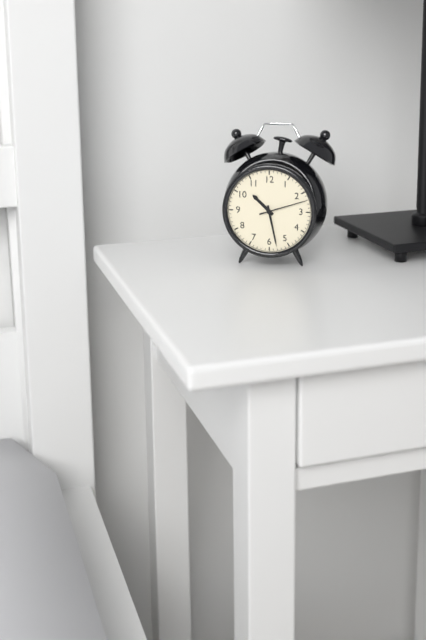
**10:28**
